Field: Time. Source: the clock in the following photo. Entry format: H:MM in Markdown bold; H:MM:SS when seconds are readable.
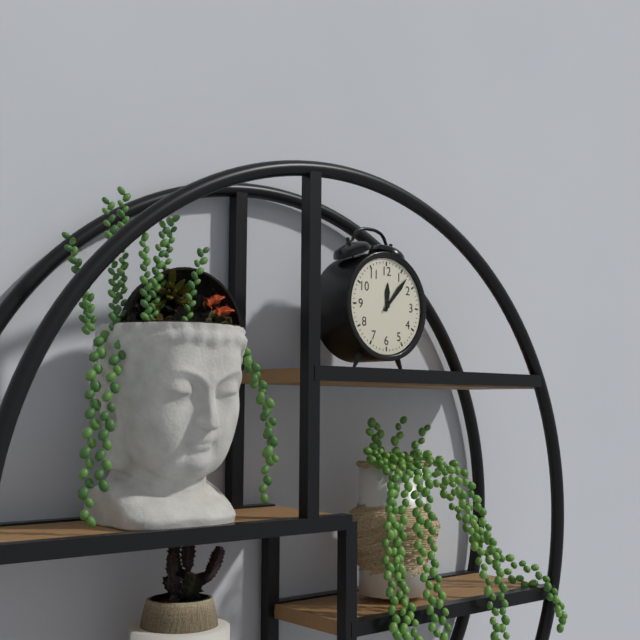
**12:07**
